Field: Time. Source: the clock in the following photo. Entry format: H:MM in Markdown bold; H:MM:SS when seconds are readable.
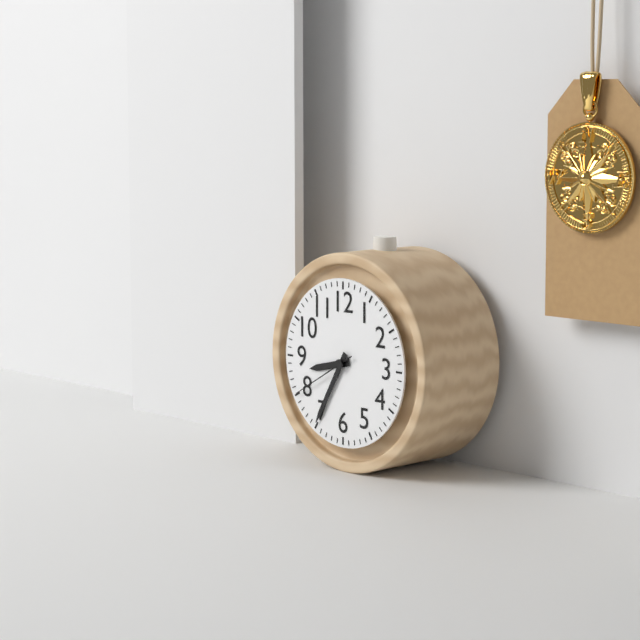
**8:35:40**
